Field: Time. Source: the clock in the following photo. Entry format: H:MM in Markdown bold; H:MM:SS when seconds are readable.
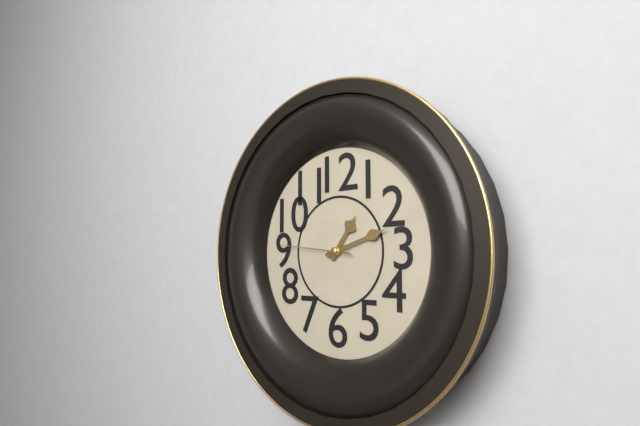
**1:12:46**
